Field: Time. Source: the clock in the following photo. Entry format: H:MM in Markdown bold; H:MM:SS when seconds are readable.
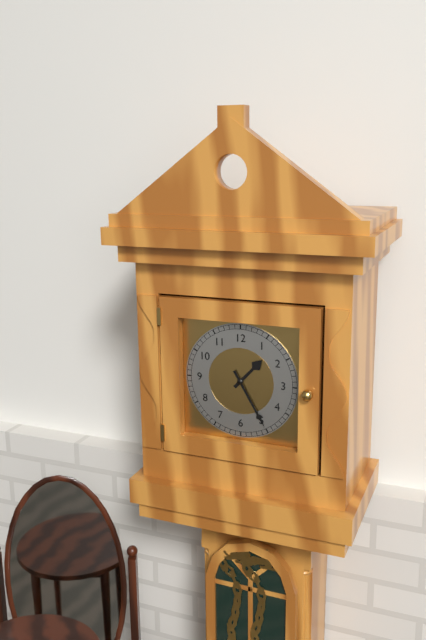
**1:25**
